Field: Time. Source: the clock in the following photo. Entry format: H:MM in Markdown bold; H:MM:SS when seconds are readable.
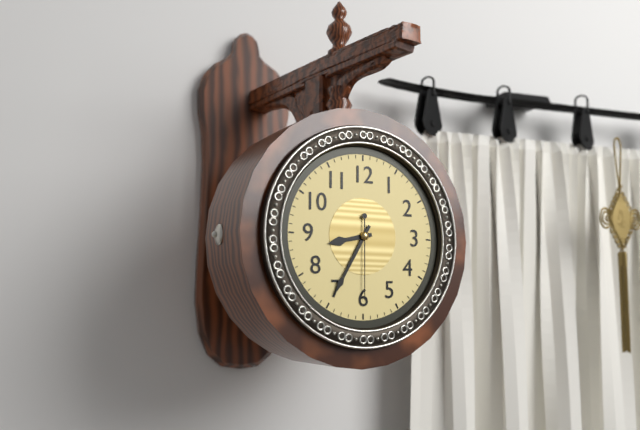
**8:35:30**
